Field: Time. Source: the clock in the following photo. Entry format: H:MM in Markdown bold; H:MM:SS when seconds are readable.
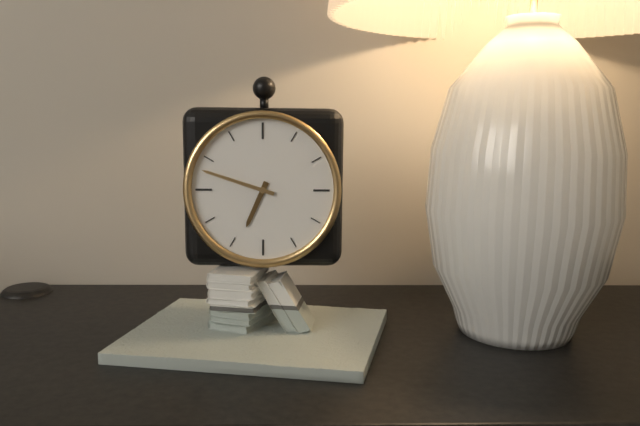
**6:48**
